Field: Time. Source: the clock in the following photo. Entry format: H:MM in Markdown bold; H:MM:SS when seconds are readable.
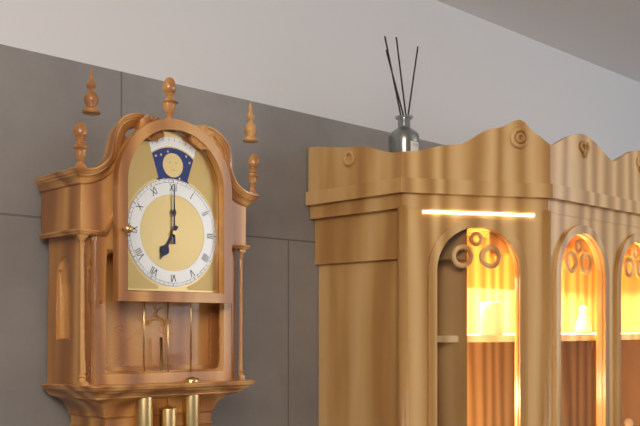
**7:00**
